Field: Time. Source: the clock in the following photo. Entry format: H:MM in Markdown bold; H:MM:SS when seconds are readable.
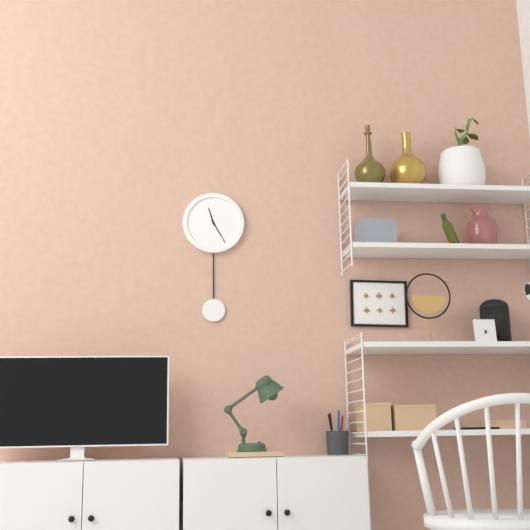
**11:25**
